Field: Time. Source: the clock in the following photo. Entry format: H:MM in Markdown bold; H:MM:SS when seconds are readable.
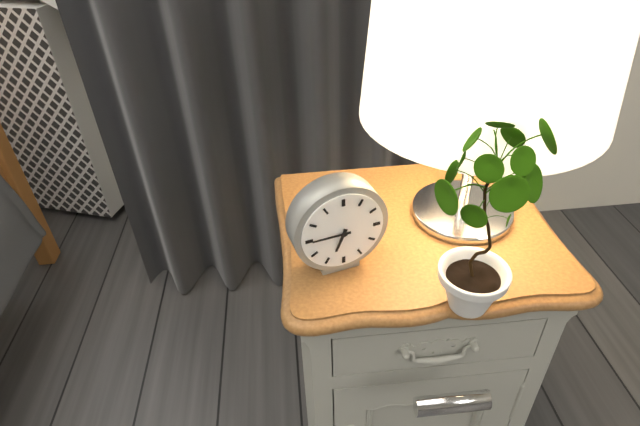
**6:45**
